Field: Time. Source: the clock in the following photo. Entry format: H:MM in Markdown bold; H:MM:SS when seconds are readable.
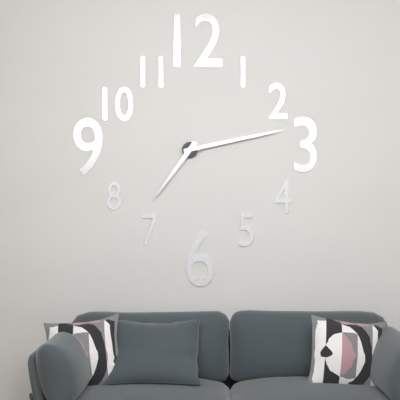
**7:13**
